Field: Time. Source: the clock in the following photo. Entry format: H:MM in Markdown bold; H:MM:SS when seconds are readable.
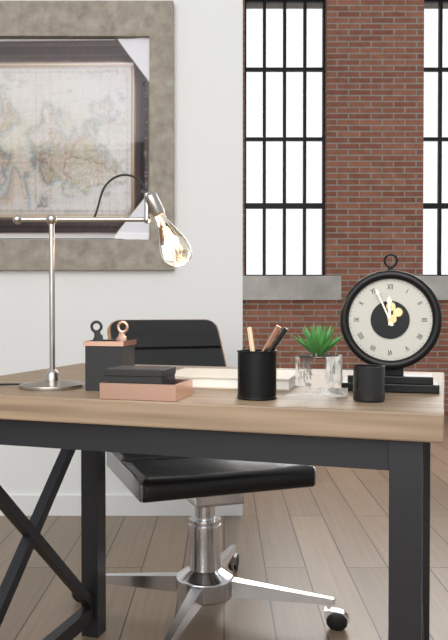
**11:56**
